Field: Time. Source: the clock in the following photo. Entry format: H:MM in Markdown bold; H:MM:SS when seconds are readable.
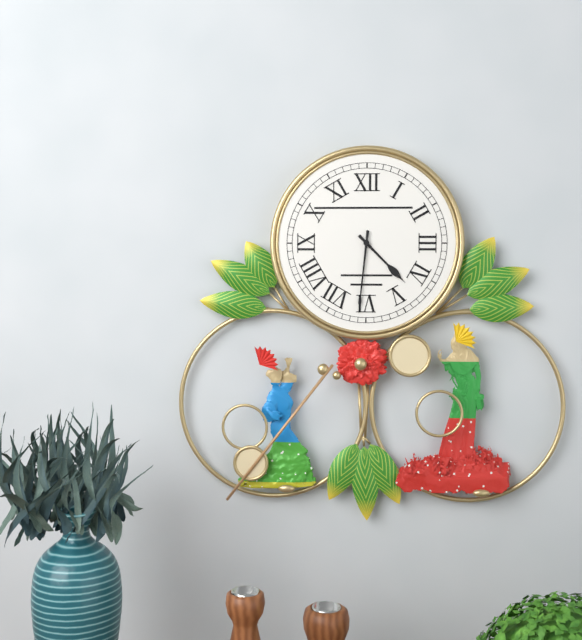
**4:31**
